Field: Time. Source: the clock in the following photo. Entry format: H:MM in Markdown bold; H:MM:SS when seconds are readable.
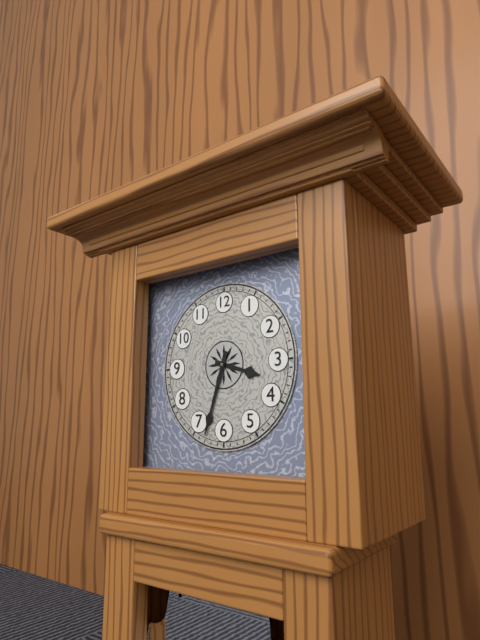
**3:33**
